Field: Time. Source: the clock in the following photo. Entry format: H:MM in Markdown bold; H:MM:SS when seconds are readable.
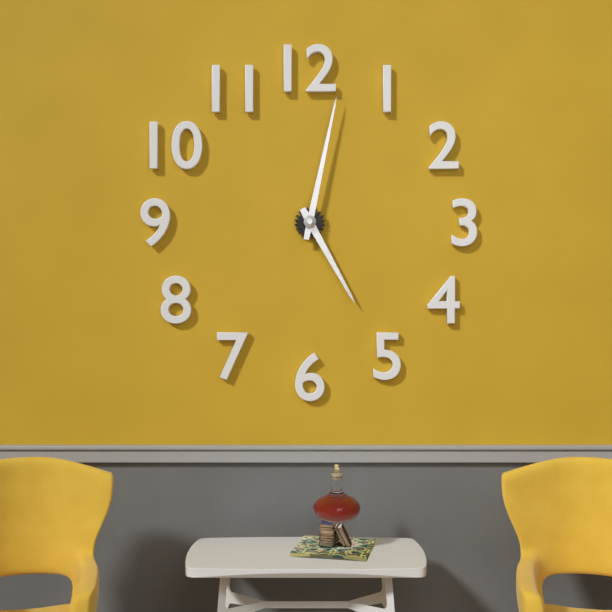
**5:02**
